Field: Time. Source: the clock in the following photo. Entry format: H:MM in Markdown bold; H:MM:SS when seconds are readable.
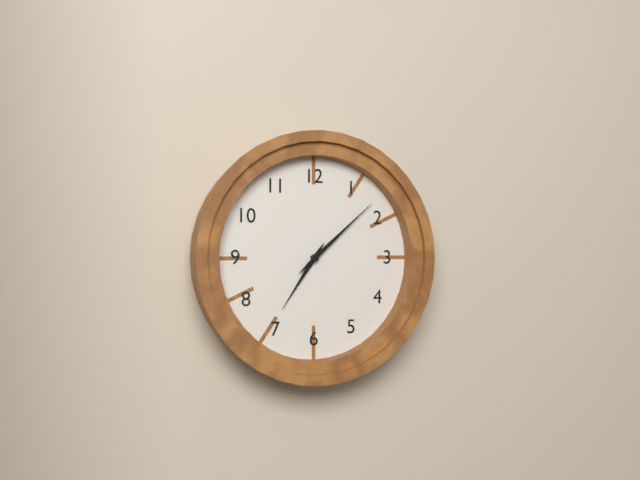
**7:08**
